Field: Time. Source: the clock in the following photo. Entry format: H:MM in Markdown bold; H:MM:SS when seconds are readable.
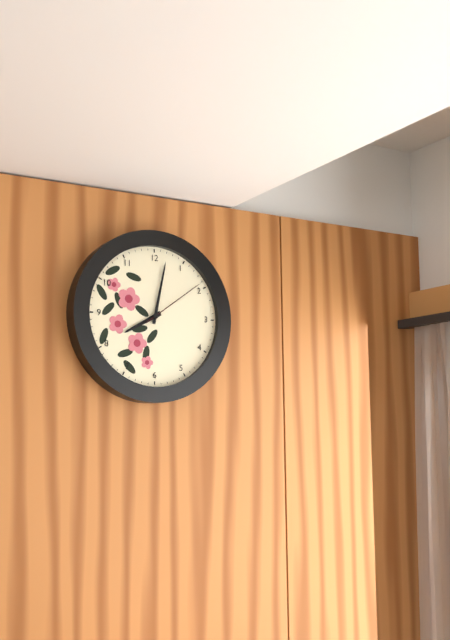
**8:02:09**
